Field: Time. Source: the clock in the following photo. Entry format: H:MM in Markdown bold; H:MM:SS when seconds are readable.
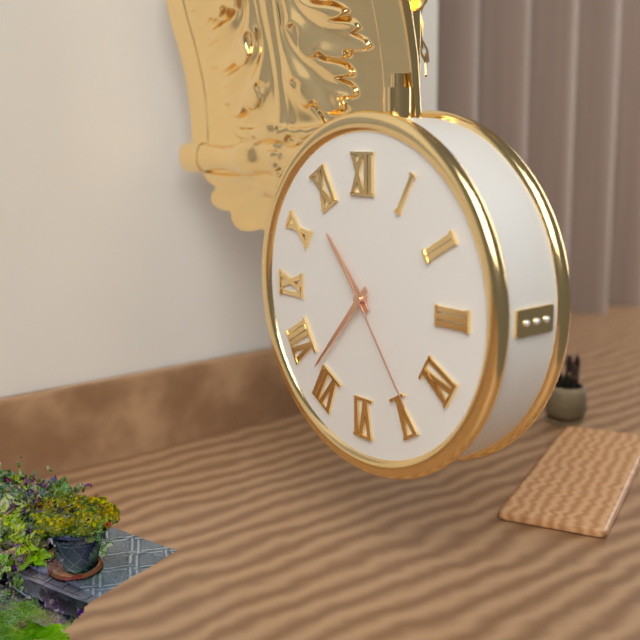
**10:37:24**
